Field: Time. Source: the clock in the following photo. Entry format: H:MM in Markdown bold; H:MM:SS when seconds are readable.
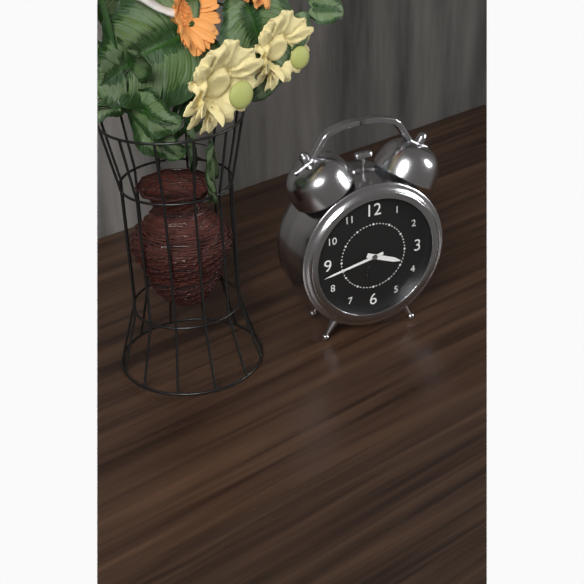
**3:43**
